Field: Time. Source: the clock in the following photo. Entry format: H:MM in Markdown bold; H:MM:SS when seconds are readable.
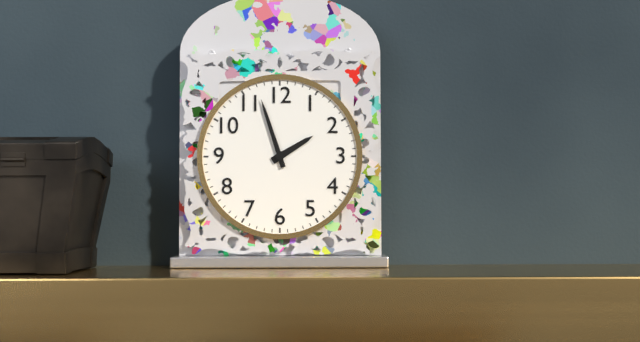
**1:57**
